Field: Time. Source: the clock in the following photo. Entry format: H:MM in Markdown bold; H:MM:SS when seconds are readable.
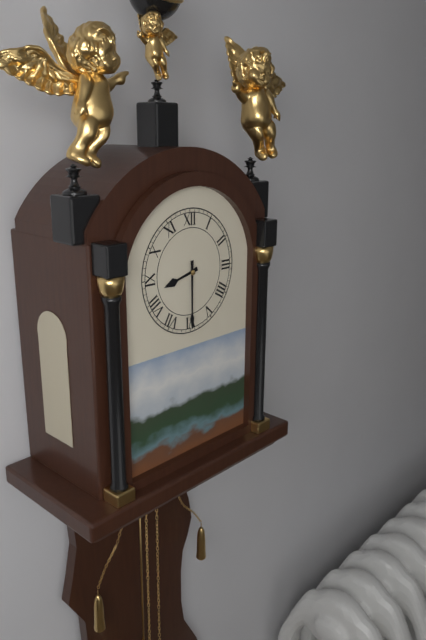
**8:30**
